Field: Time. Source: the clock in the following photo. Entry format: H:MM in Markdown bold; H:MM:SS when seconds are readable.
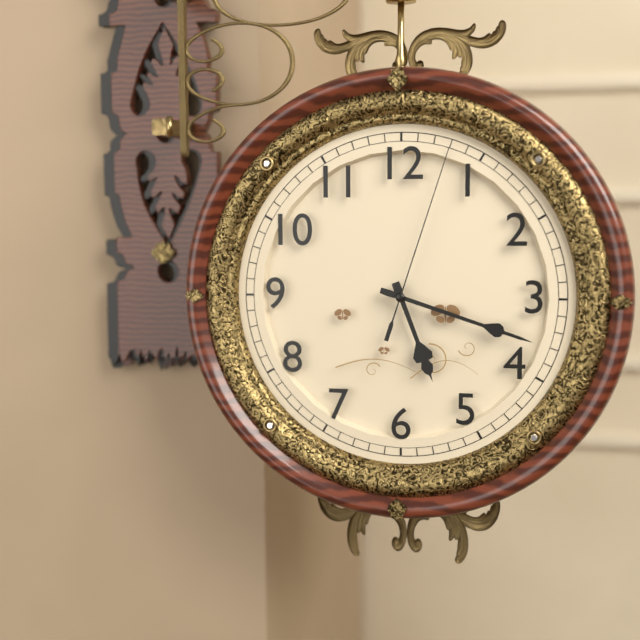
**5:18:03**
